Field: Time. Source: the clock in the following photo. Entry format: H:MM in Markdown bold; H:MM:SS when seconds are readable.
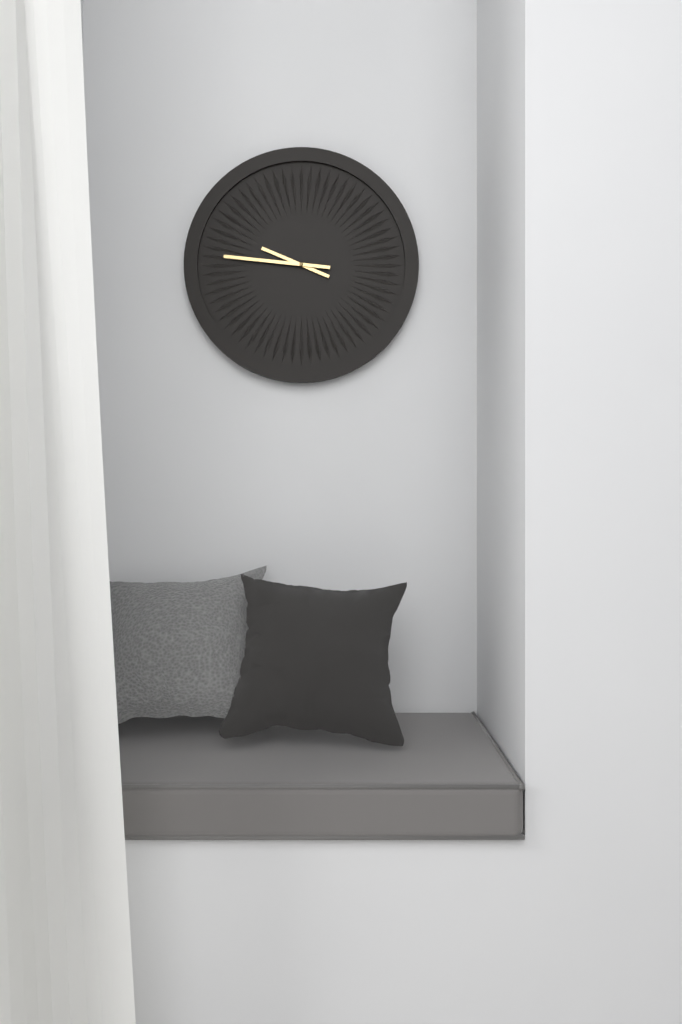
**9:46**
